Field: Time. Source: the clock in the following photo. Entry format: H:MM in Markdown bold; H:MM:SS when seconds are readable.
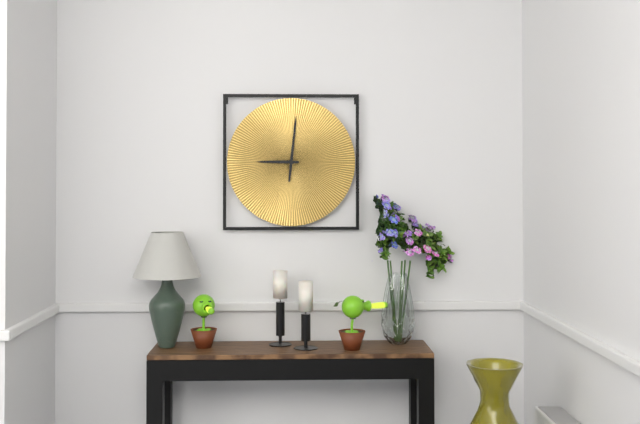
**9:01**
